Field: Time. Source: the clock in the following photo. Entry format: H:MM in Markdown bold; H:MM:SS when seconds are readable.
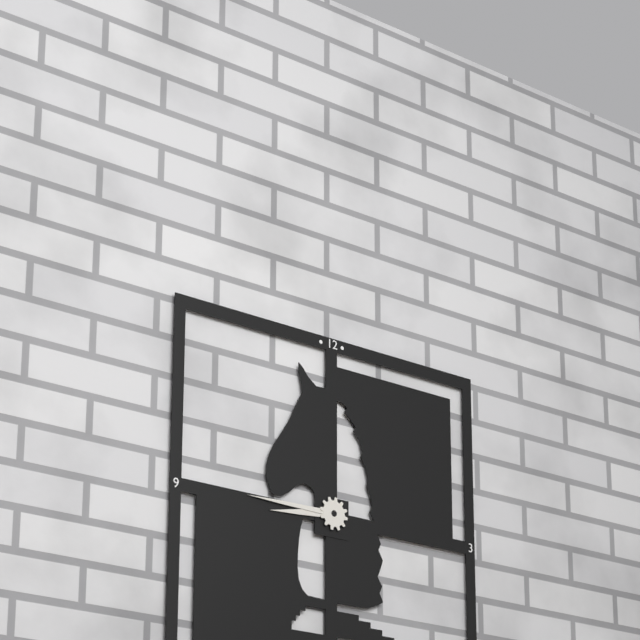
**8:45**
